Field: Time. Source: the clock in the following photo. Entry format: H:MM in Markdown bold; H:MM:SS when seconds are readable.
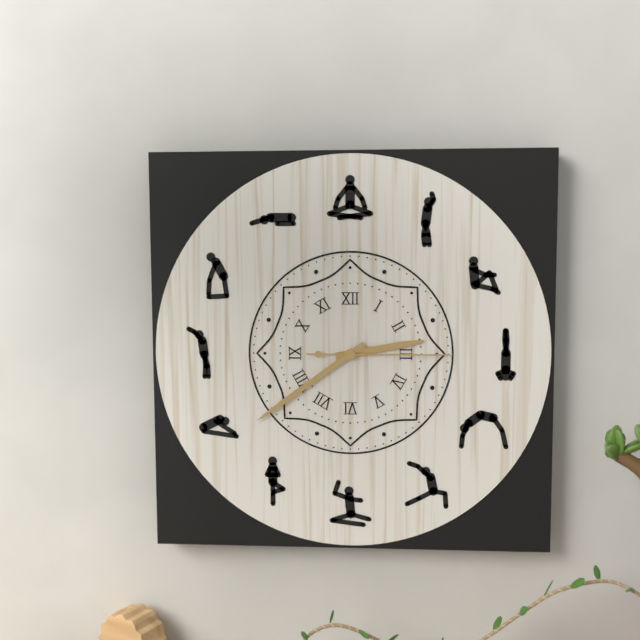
**2:39:15**
